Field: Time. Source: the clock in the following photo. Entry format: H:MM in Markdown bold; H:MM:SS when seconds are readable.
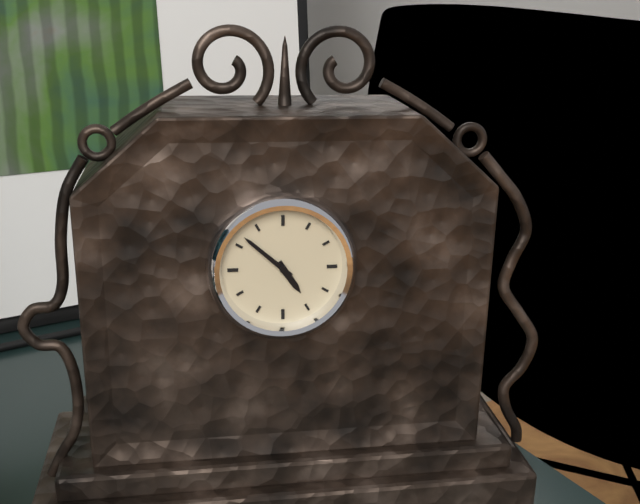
**4:52**
